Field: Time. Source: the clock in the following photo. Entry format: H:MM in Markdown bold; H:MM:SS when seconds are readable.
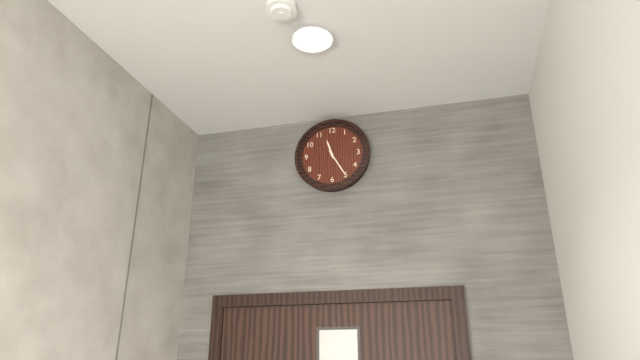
**11:25**
